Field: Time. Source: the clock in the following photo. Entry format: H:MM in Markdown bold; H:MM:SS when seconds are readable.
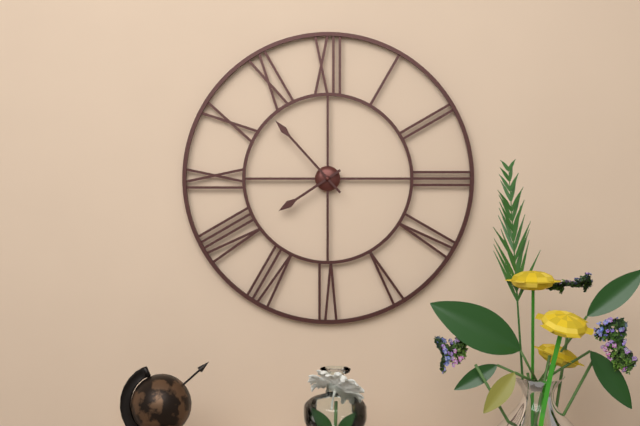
**7:53**
